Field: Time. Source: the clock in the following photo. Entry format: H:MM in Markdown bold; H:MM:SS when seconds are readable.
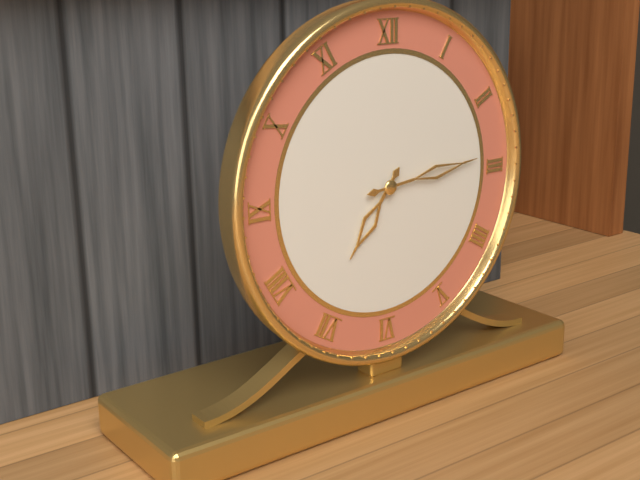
**7:14**
